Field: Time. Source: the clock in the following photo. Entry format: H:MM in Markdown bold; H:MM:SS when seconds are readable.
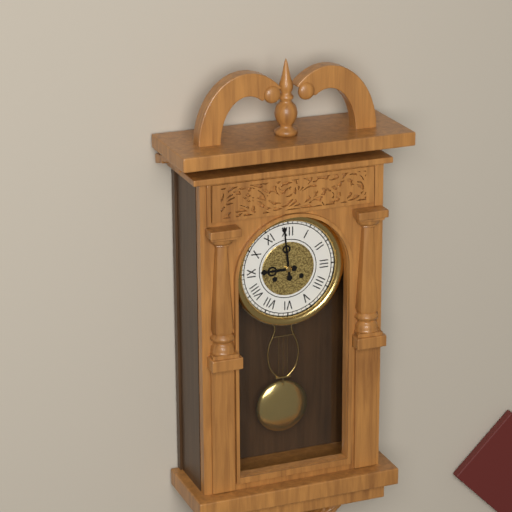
**8:59**
